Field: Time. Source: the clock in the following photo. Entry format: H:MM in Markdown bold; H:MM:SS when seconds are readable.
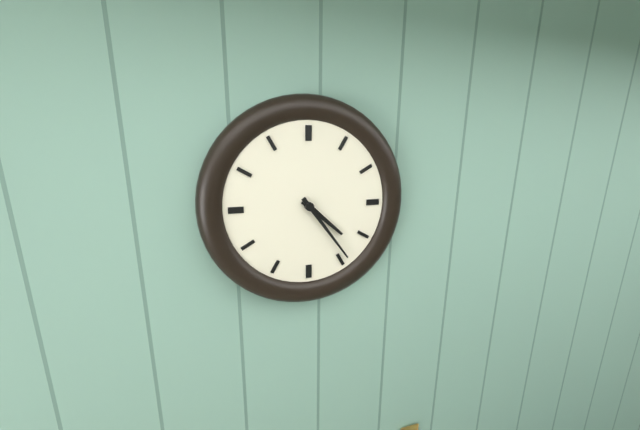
**4:24**
